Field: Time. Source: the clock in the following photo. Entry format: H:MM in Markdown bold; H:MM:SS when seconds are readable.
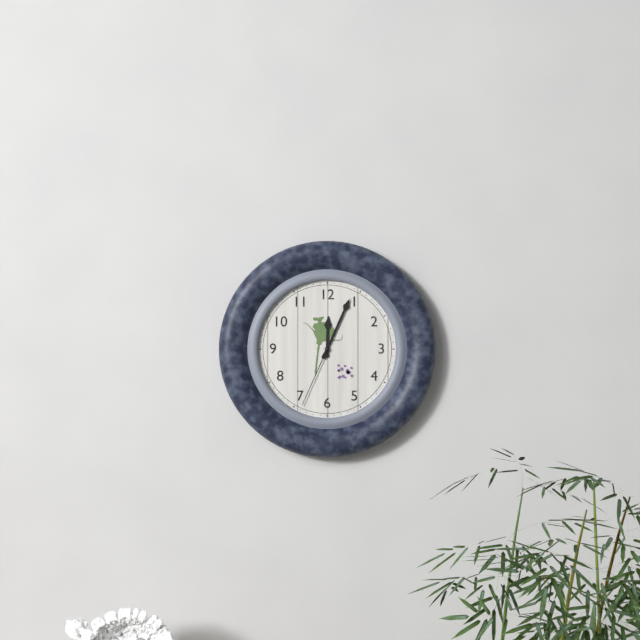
**12:04:34**
